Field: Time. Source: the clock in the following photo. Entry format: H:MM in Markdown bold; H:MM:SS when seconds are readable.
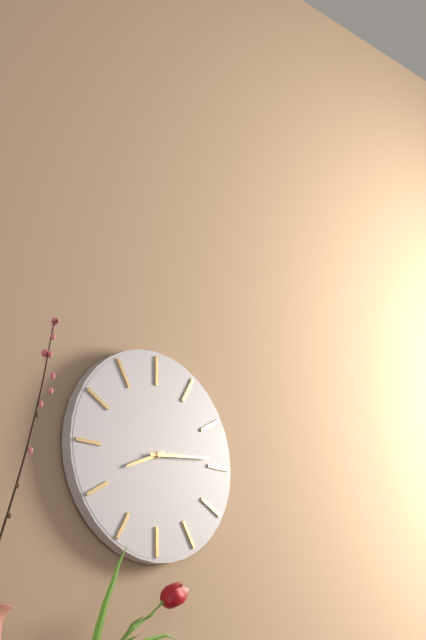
**8:14**
